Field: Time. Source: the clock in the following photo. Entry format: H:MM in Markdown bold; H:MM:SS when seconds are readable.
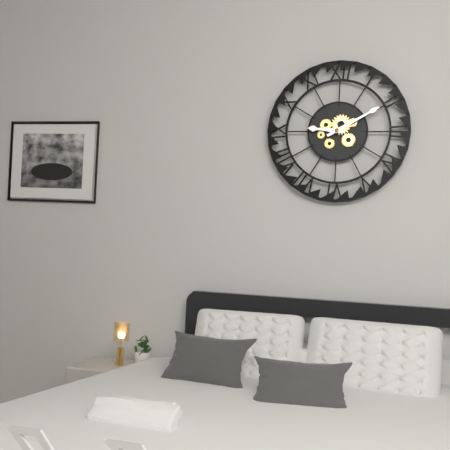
**9:10**
